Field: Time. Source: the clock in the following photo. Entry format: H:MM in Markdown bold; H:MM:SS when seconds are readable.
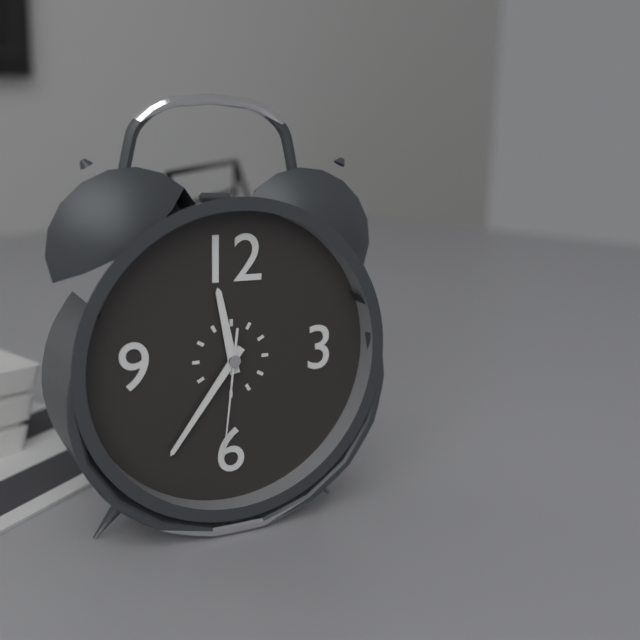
**11:36:31**
